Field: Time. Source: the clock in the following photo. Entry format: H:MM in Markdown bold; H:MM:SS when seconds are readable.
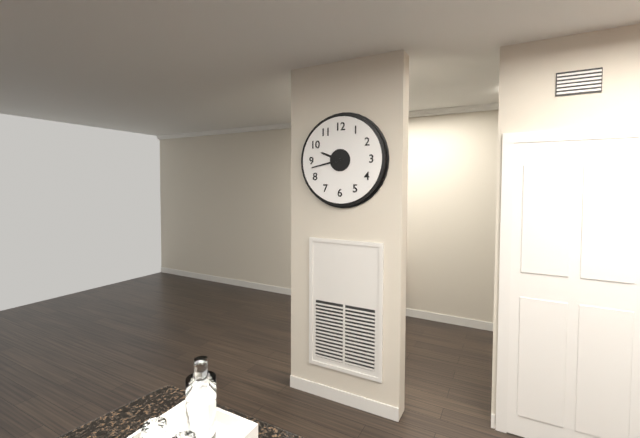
**9:43**
